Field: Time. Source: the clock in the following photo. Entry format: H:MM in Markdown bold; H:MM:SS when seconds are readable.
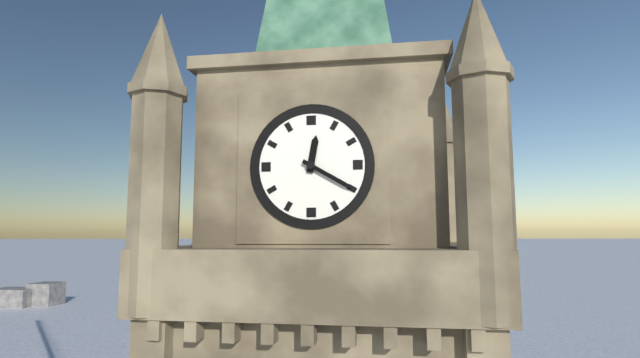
**12:20**
